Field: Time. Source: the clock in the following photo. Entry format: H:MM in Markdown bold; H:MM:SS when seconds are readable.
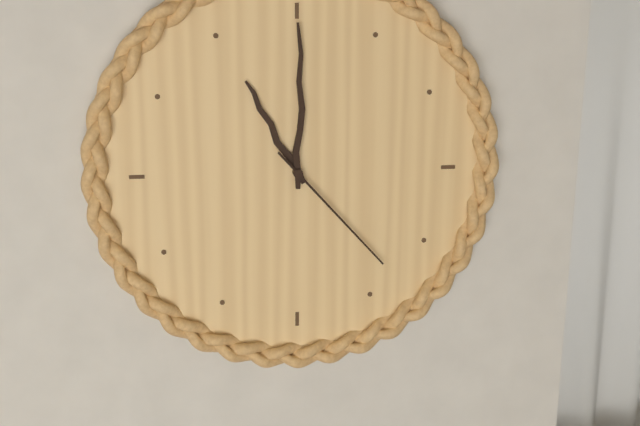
**11:00:23**
